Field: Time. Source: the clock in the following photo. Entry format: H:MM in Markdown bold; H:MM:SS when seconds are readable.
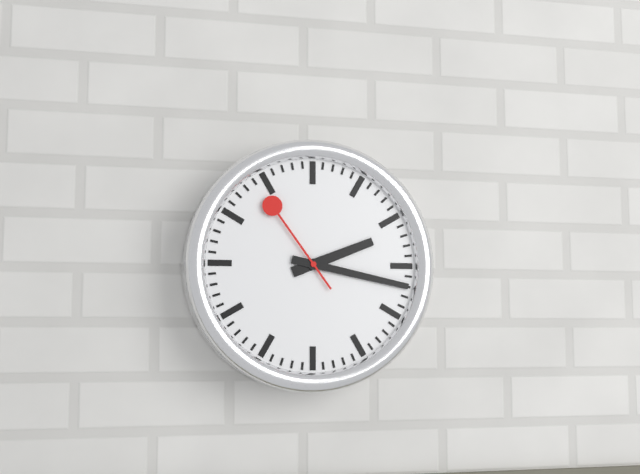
**2:17:54**
